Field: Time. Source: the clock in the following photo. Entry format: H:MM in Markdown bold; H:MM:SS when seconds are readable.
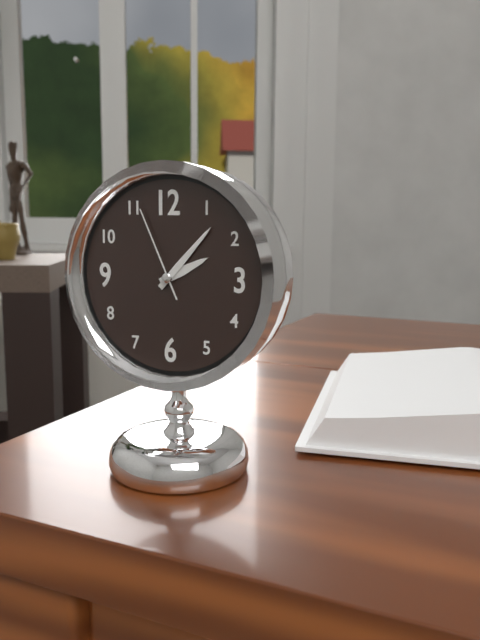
**2:07:56**
